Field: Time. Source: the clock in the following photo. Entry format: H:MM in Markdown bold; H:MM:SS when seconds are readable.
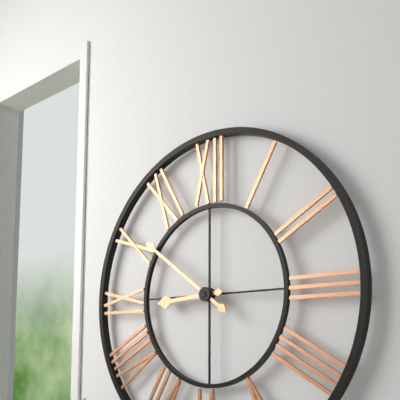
**8:51**
